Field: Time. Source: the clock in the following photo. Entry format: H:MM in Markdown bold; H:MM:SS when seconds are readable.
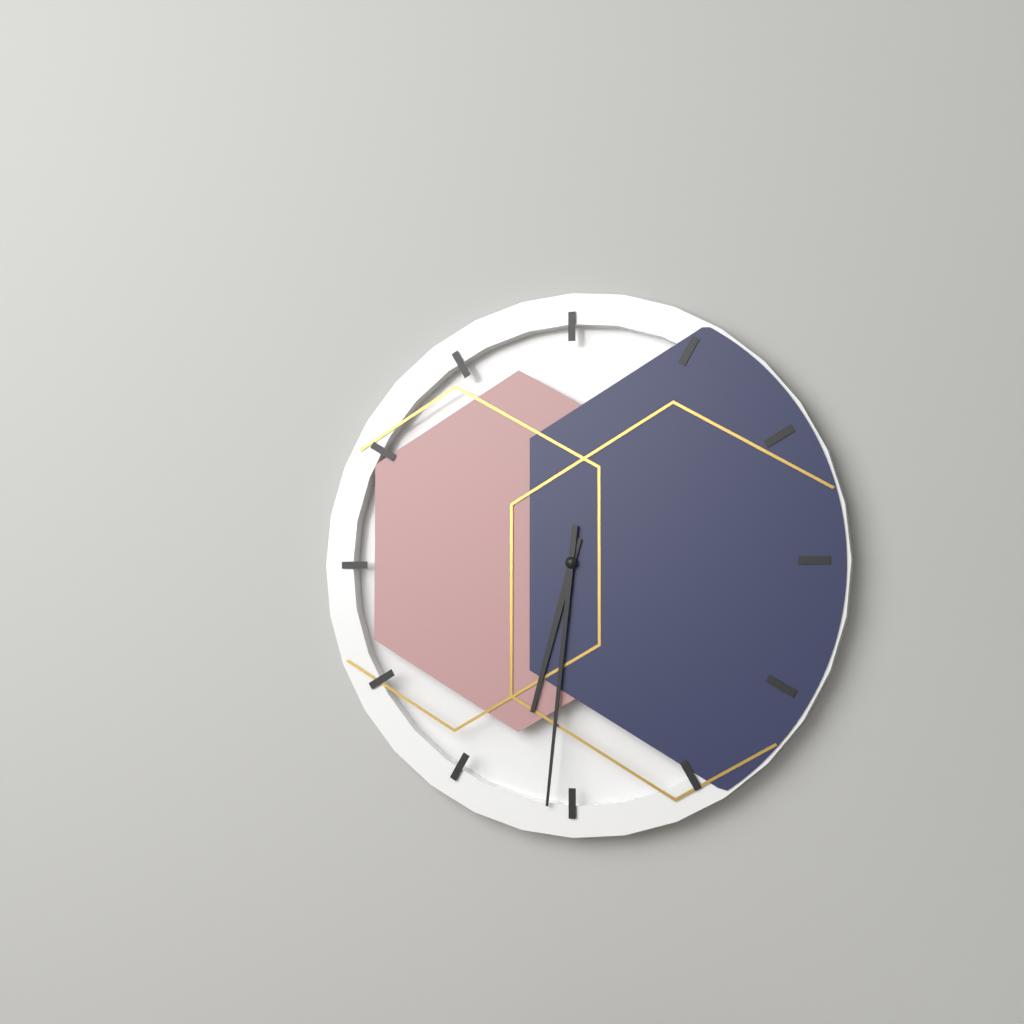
**6:31**
